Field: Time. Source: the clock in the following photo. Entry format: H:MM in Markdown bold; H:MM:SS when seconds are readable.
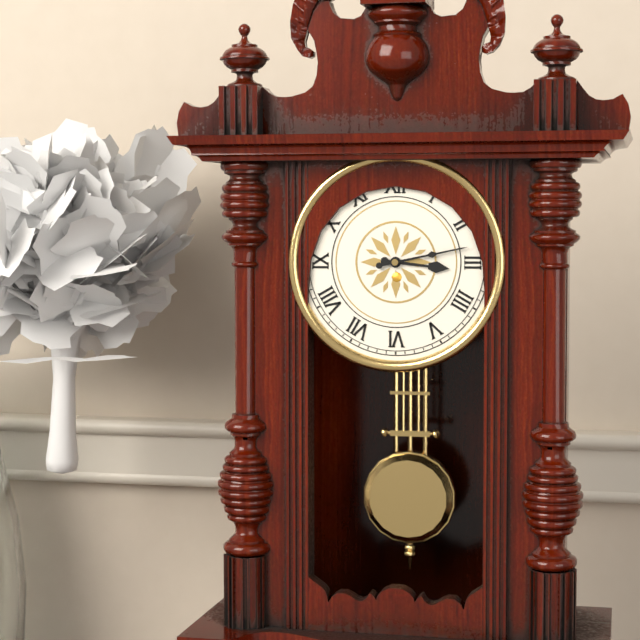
**3:13**
